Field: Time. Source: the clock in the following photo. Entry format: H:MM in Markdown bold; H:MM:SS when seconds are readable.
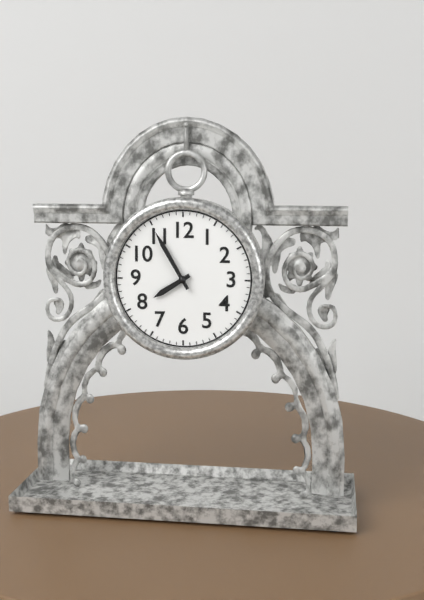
**7:55**
